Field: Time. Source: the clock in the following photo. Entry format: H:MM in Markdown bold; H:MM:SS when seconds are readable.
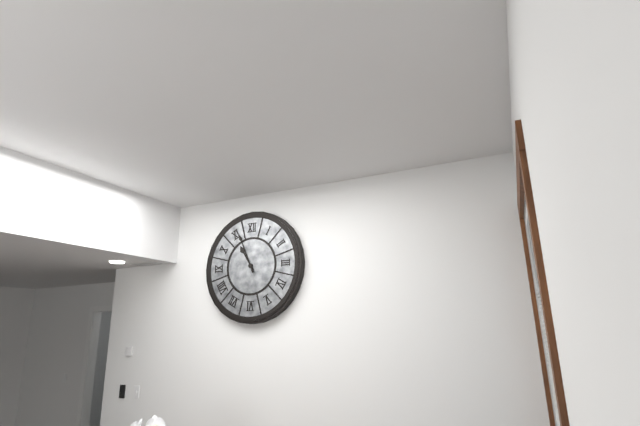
**10:56**
